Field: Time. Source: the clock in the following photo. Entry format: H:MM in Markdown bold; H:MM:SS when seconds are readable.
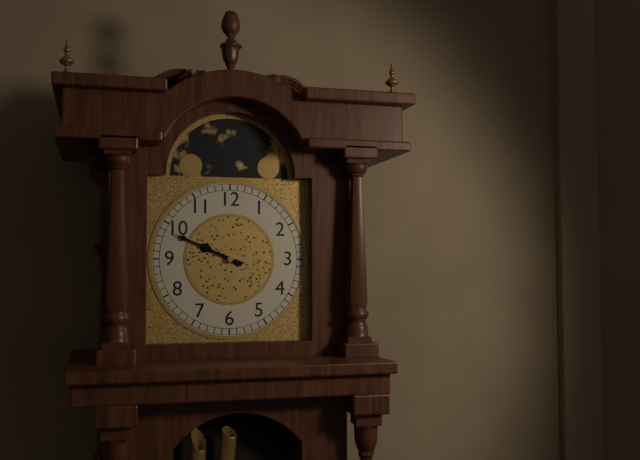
**9:49**
